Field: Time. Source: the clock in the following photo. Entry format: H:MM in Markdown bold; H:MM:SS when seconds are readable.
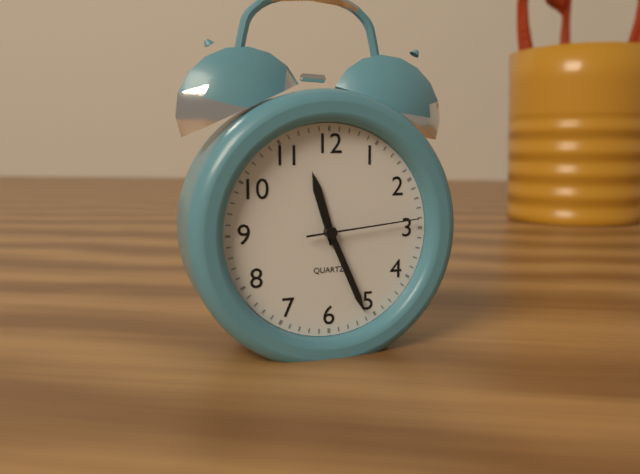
**11:26:14**
